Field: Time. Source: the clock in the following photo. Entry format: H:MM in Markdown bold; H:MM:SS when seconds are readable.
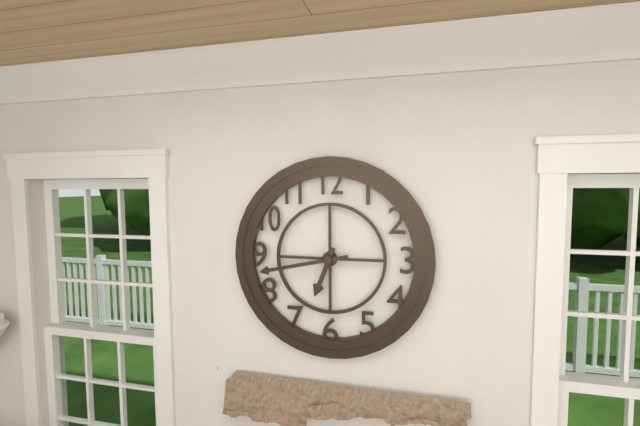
**6:43**
